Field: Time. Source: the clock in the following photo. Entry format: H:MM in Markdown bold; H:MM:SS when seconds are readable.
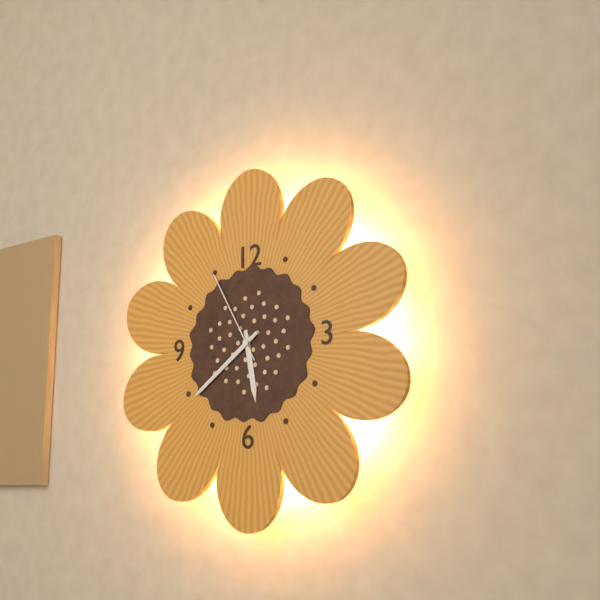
**5:39:55**
